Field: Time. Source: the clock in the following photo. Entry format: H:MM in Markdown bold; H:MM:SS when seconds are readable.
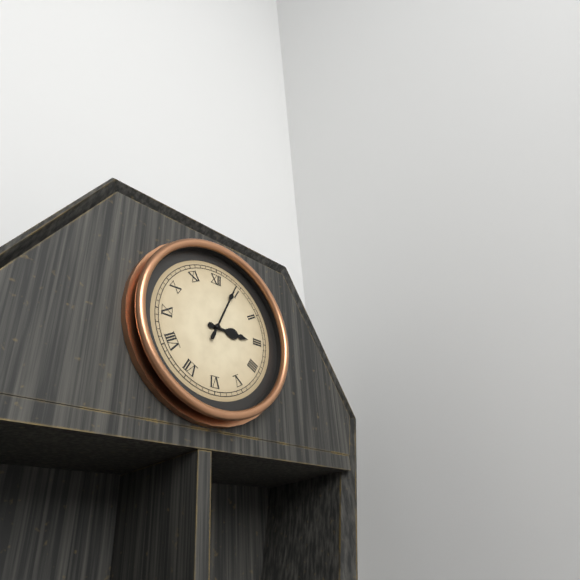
**3:04**
